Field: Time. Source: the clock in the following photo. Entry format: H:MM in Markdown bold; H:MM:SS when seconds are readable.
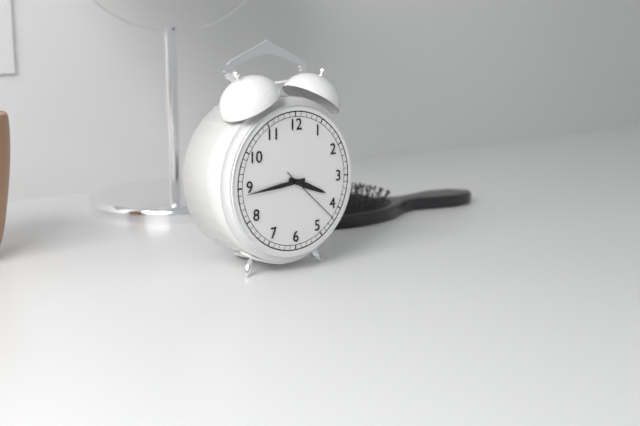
**3:44:22**
